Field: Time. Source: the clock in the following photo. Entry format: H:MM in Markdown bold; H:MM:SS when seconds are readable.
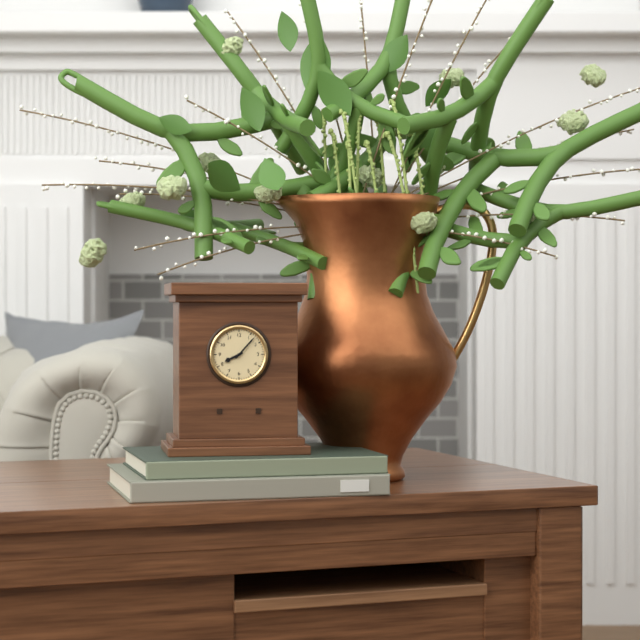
**8:07**
